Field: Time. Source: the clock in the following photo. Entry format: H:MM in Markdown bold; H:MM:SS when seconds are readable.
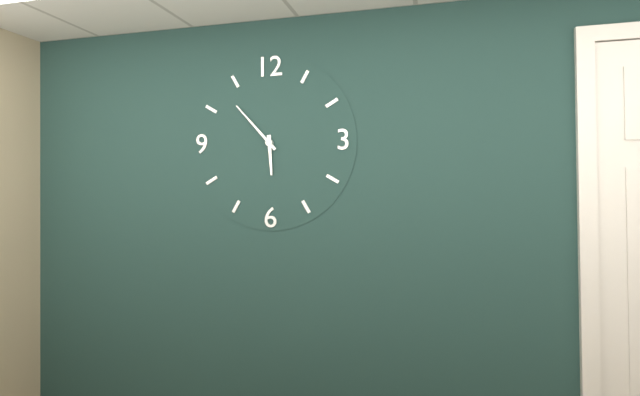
**5:53**
